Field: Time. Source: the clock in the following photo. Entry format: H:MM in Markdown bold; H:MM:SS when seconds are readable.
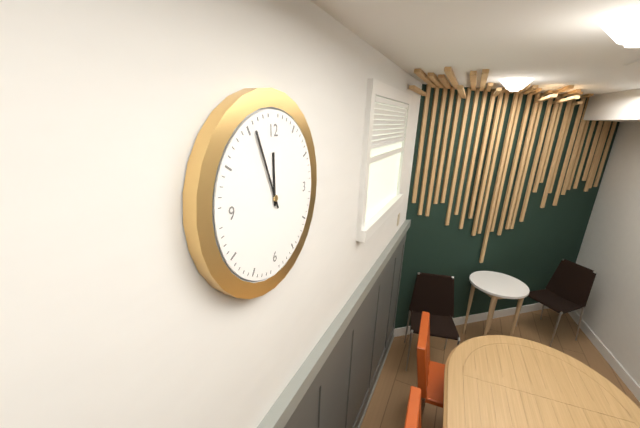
**11:56**
